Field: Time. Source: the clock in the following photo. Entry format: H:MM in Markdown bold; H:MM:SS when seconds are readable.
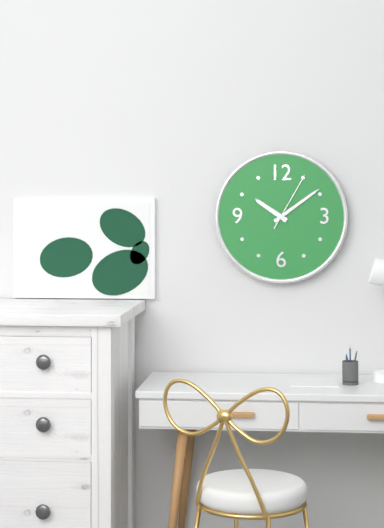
**10:09:05**
